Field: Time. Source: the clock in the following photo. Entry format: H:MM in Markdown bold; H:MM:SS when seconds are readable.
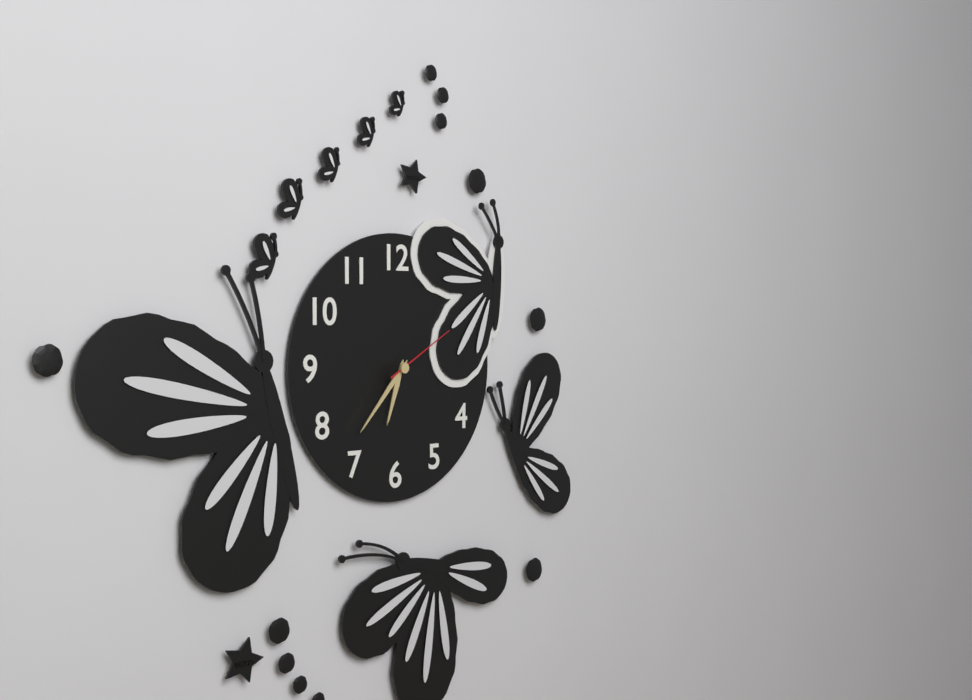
**6:37:10**
